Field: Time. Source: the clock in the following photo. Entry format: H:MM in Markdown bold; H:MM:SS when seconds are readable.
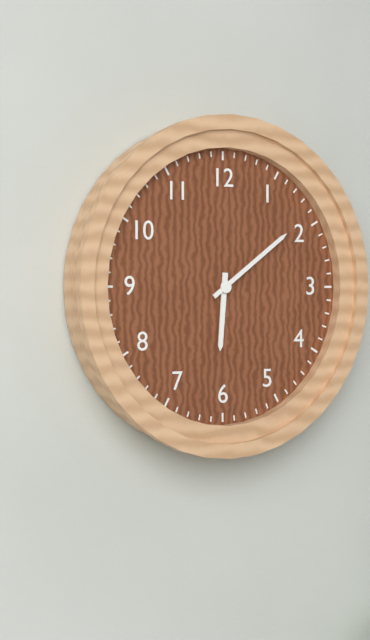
**6:09**
